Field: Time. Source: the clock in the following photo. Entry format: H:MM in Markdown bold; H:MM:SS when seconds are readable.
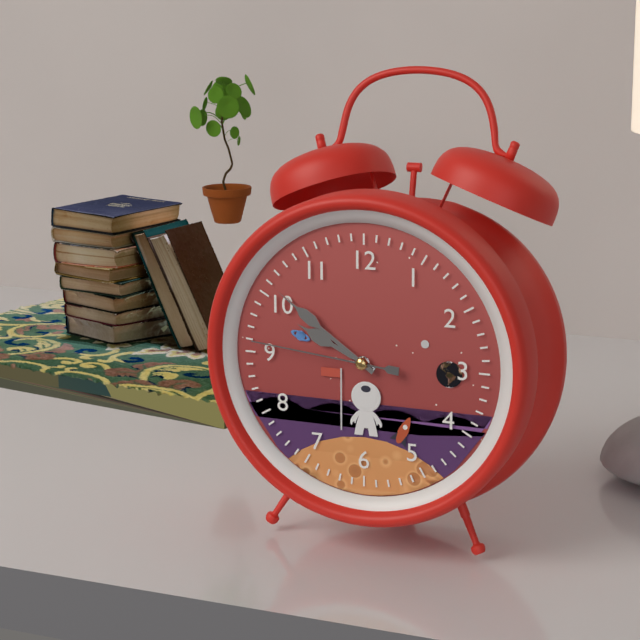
**9:51:46**
